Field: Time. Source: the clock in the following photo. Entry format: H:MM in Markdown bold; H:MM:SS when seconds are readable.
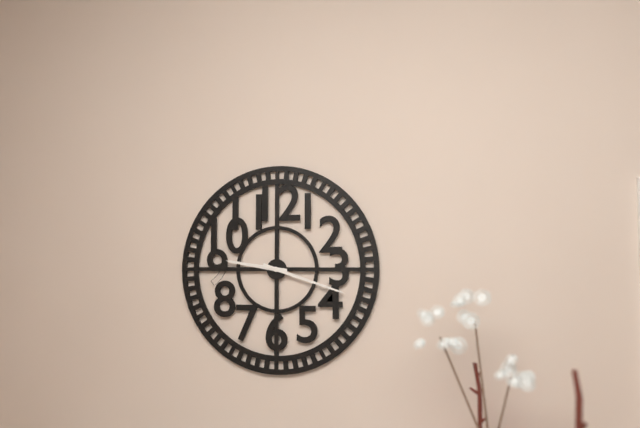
**9:18**
